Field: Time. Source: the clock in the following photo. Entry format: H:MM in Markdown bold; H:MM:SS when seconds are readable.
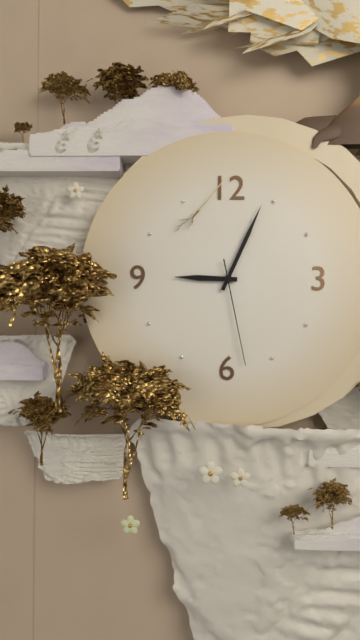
**9:04:28**
